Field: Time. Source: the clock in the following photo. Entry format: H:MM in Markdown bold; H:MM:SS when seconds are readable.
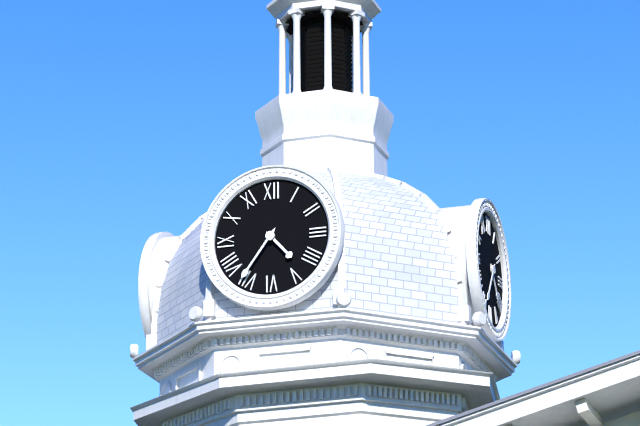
**4:36**
